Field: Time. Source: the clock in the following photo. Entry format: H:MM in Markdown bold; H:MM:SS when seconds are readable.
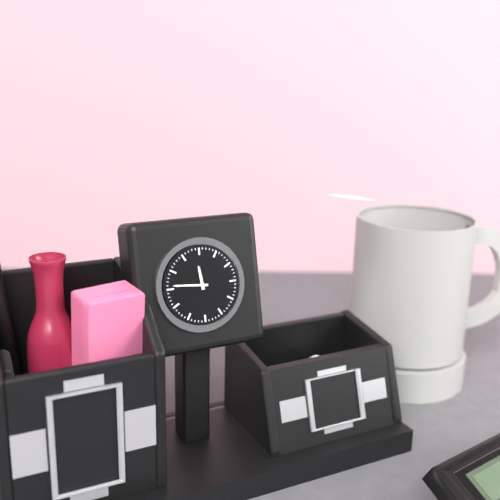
**11:46**
